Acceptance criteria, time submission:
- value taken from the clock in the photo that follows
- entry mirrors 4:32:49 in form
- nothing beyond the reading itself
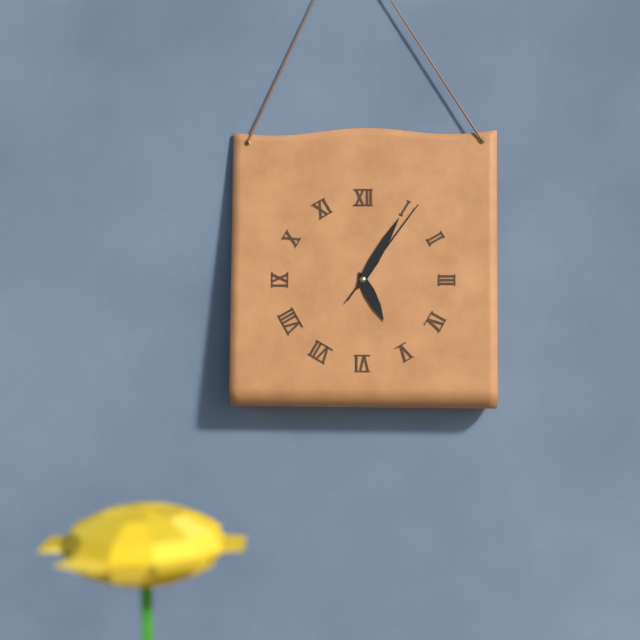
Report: 5:05:06
